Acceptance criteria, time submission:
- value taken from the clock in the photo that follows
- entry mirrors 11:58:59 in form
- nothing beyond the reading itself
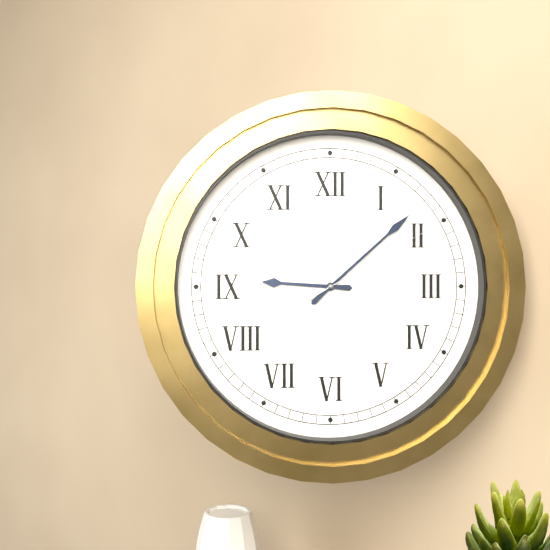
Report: 9:08:10
